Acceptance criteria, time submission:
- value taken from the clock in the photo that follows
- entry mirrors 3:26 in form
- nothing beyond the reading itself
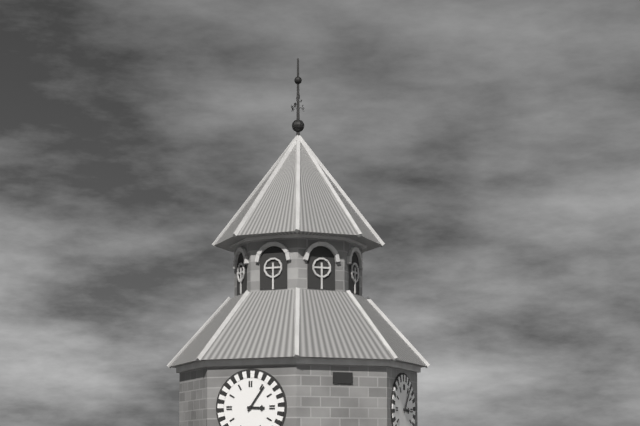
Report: 3:06
